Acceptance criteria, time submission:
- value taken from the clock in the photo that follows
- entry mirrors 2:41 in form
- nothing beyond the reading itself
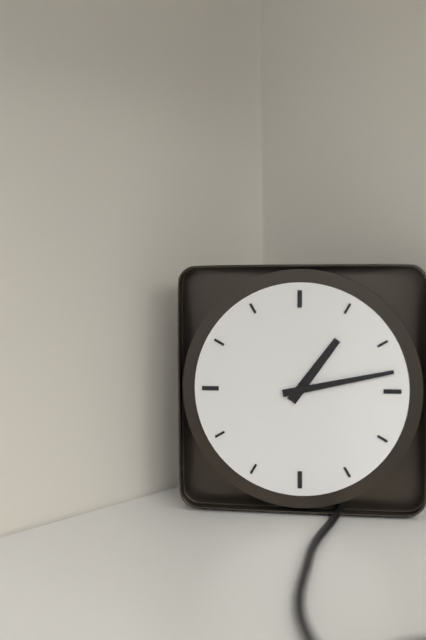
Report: 1:13
